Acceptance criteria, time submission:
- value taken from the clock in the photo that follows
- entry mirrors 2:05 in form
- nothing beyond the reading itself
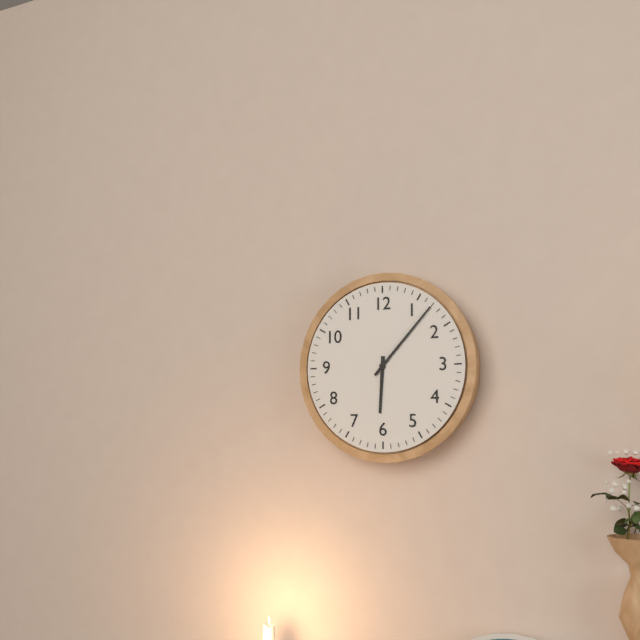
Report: 6:07
